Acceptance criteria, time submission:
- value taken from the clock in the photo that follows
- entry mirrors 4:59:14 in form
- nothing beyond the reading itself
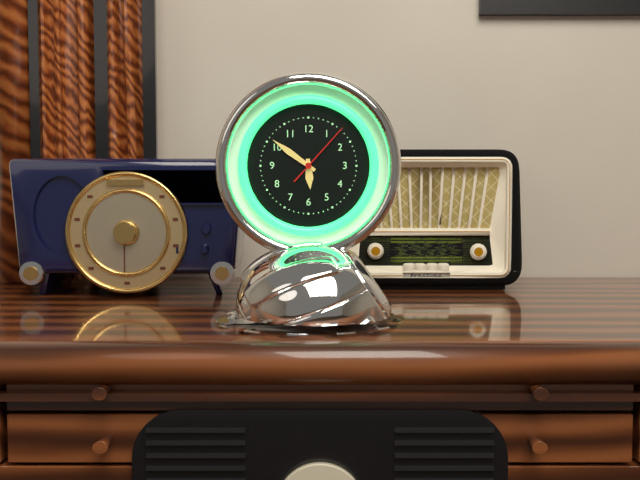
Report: 5:51:07
